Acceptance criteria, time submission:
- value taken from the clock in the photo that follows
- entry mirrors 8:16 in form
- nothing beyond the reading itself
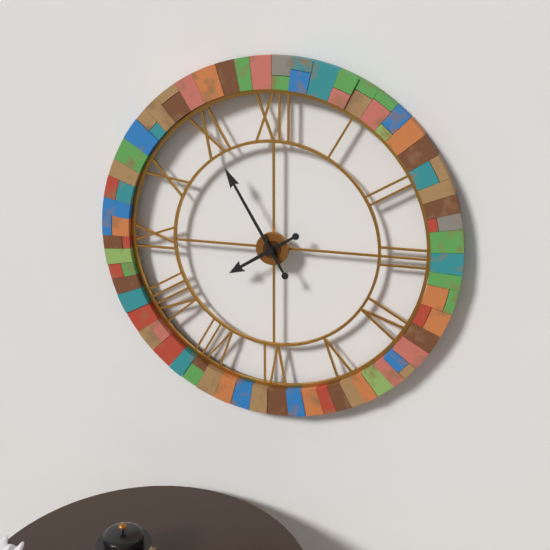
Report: 7:55
